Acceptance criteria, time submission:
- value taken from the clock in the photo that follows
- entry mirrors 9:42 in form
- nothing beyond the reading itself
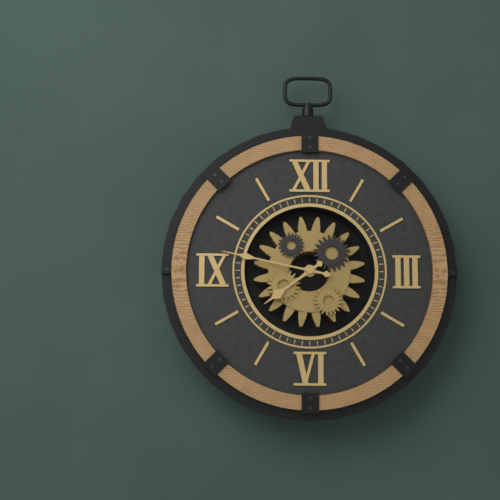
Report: 7:47
